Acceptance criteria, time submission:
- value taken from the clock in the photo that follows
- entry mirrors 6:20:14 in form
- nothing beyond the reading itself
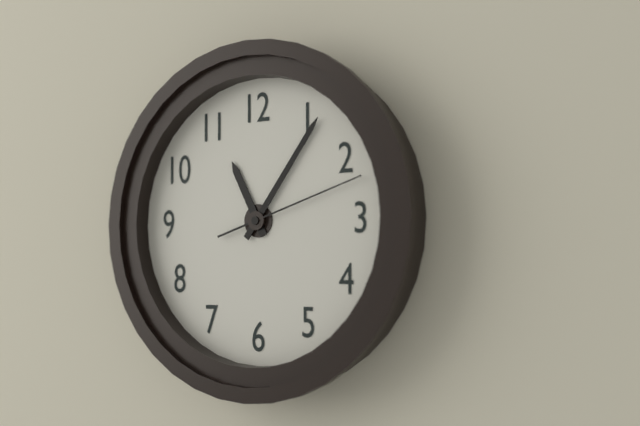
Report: 11:06:12
